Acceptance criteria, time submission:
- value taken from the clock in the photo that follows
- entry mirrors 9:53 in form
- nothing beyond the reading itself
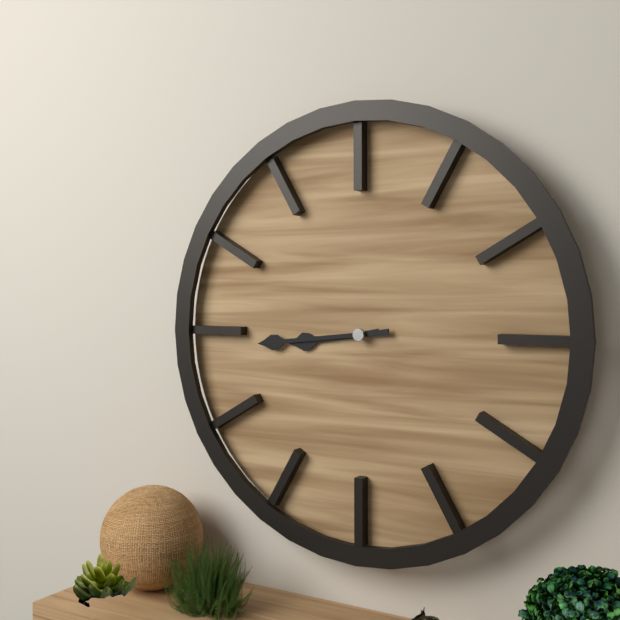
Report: 8:44
